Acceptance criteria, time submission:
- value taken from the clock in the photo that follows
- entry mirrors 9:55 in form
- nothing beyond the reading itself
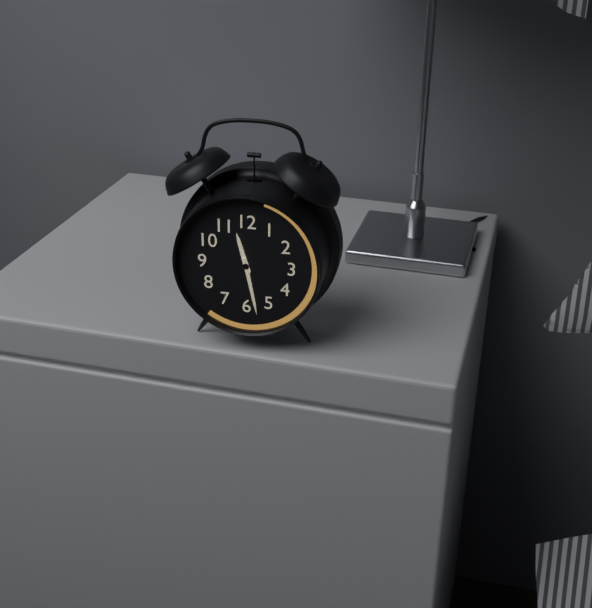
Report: 11:28
